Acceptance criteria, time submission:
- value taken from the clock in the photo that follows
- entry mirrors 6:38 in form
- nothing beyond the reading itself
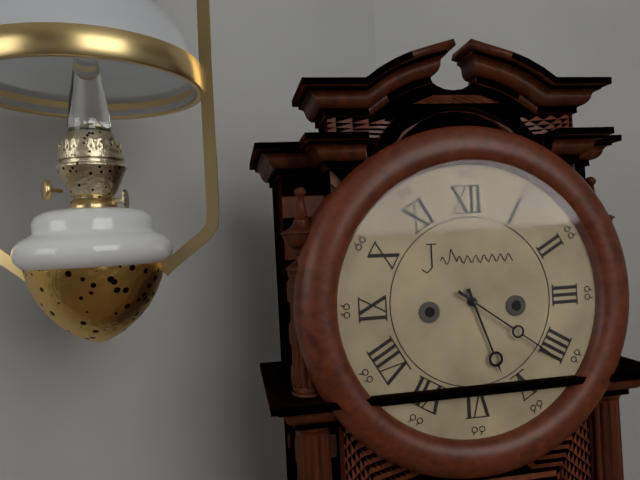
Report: 5:21
